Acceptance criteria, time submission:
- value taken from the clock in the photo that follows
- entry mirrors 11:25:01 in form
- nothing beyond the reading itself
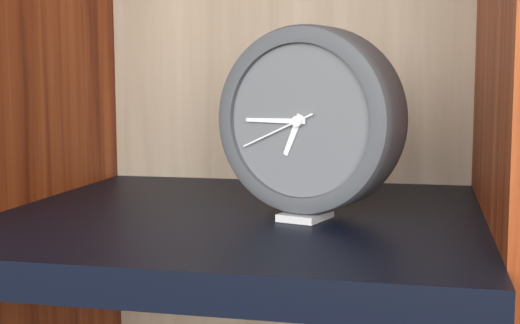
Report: 6:45:41
